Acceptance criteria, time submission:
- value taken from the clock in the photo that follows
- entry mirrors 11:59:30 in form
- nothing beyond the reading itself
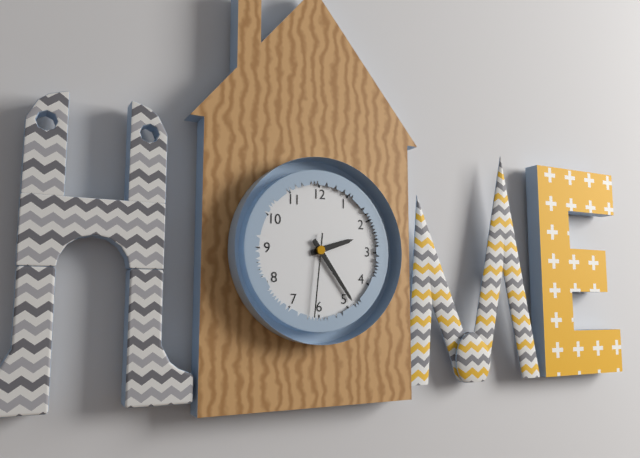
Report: 2:24:31
